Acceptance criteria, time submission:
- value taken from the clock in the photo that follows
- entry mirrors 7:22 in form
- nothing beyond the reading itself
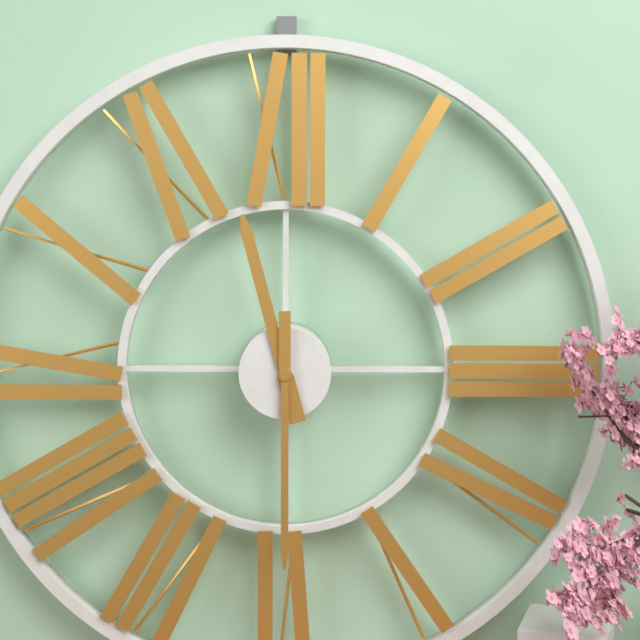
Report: 11:30
